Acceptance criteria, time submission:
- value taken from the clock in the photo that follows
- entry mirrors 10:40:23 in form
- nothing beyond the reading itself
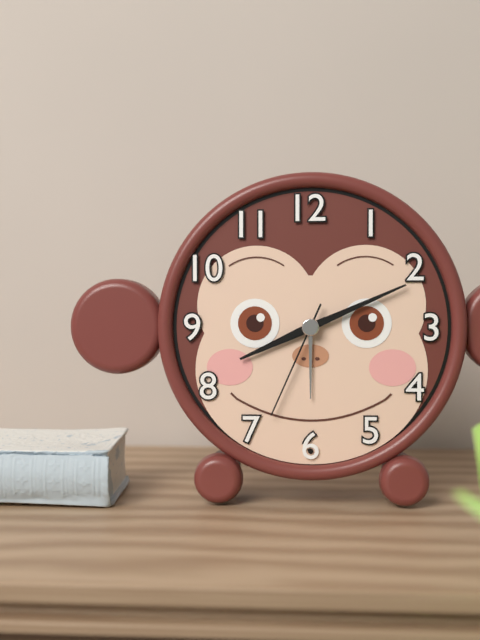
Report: 8:11:34
